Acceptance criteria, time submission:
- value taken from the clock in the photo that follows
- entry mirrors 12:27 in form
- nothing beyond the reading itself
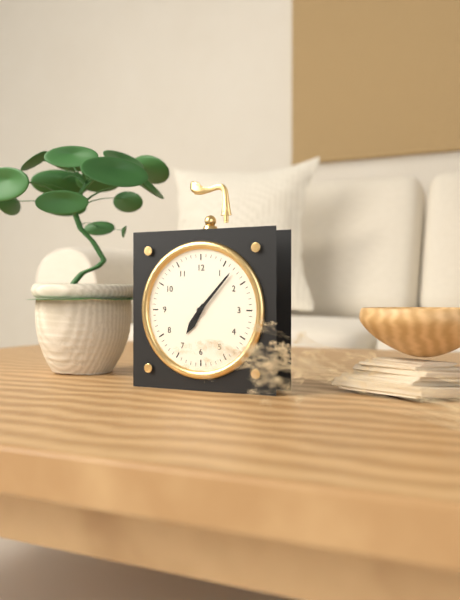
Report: 7:07
